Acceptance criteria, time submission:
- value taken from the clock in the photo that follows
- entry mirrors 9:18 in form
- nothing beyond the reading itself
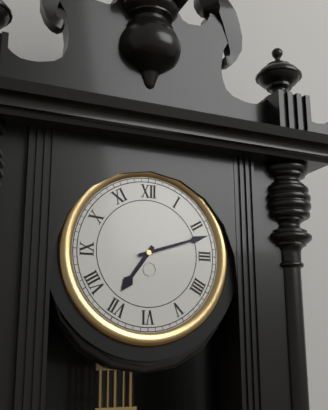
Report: 7:12
